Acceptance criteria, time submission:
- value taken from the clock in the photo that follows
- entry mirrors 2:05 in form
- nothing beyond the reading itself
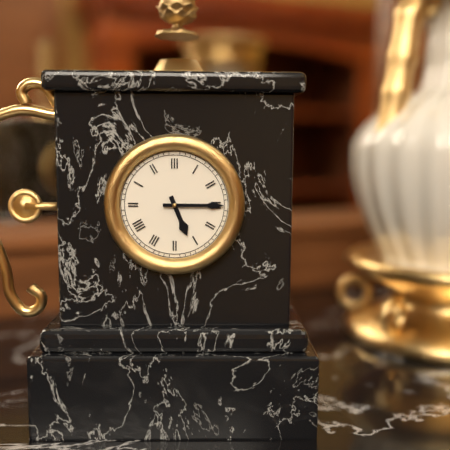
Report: 5:15
